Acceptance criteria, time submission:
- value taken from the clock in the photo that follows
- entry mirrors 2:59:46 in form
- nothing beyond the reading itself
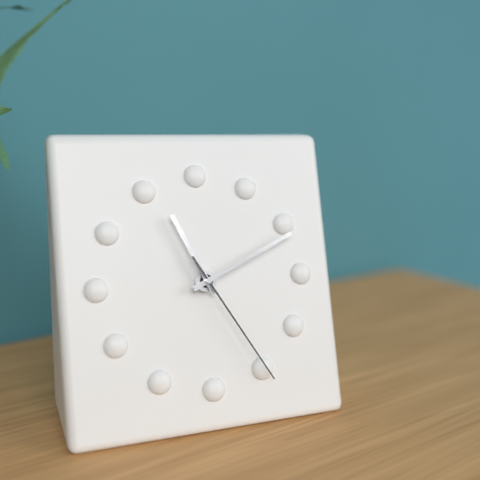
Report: 11:11:25
